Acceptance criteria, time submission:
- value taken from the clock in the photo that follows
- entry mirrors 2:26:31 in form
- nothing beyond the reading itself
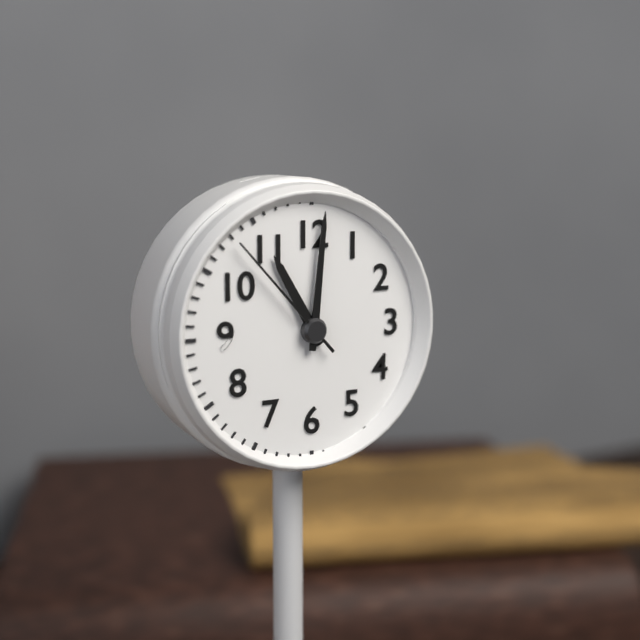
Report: 11:01:53
